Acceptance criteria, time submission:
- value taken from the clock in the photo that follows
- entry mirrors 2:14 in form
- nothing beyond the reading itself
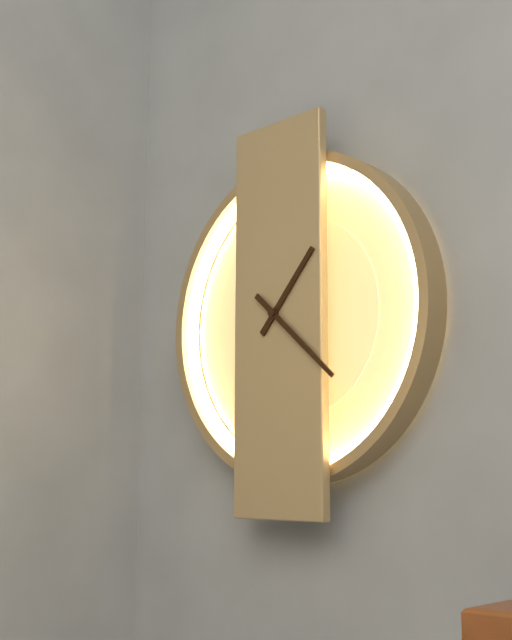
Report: 1:22
